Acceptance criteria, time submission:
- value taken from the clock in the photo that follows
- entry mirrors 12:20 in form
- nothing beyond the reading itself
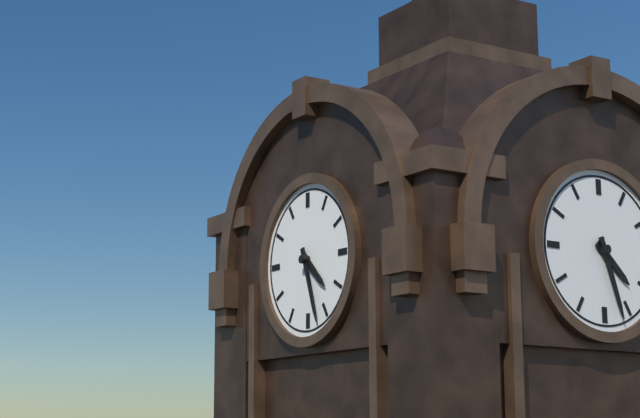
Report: 4:27
